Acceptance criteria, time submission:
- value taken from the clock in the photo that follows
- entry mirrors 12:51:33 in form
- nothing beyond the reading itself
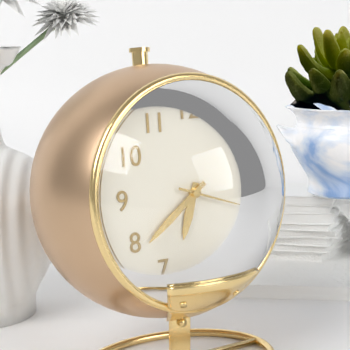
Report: 6:39:18
